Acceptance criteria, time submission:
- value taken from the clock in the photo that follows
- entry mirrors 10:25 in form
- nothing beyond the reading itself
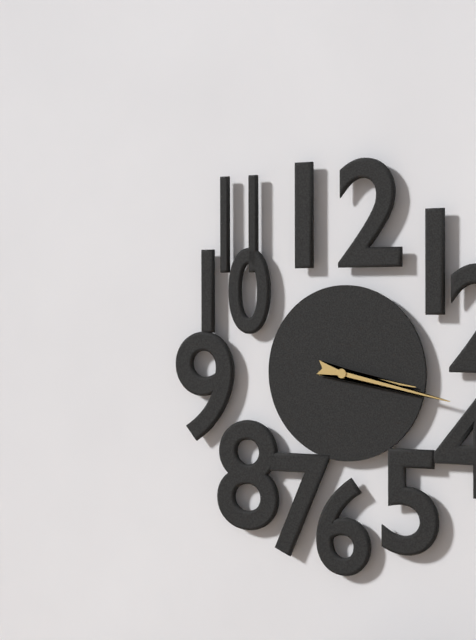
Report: 3:17
